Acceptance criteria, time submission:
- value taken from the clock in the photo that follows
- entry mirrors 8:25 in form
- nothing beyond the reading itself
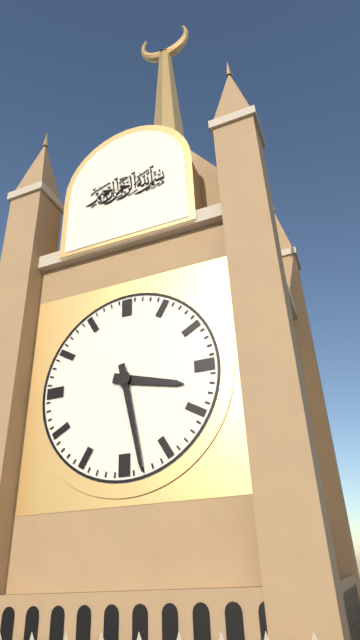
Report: 3:28
